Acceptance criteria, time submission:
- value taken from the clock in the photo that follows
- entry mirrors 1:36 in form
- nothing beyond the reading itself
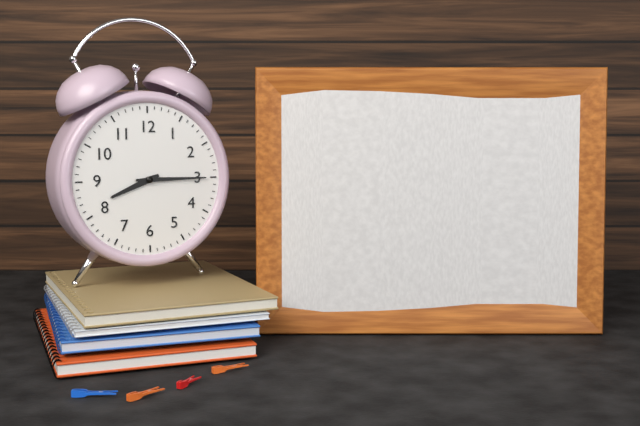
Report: 8:15
